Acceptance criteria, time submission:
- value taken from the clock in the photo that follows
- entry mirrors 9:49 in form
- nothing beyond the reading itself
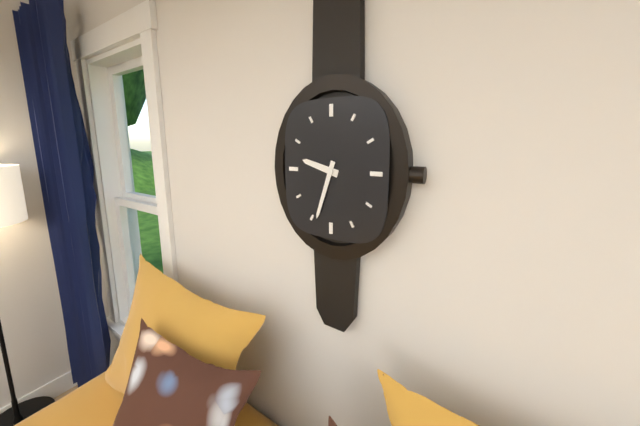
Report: 9:33
